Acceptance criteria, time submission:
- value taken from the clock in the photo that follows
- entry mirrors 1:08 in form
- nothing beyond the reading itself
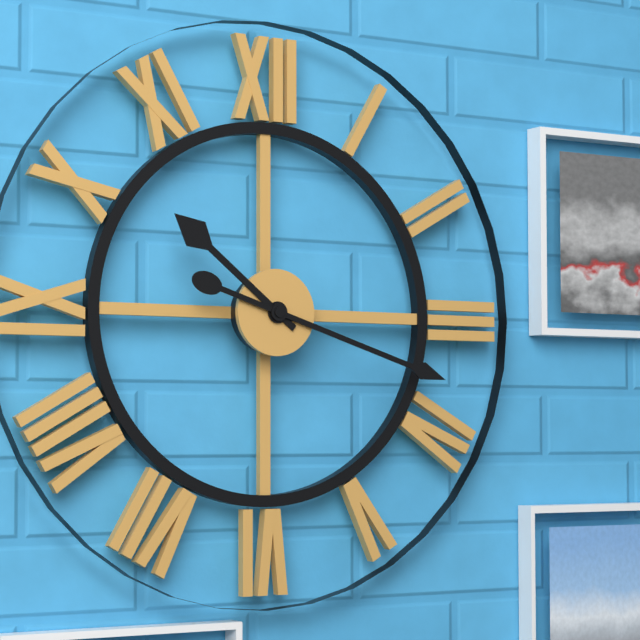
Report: 10:18
